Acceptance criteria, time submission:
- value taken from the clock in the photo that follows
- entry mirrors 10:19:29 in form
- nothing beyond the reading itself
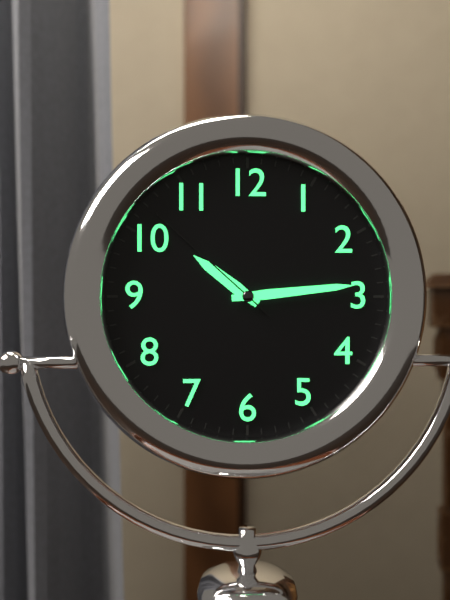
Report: 10:14:52
